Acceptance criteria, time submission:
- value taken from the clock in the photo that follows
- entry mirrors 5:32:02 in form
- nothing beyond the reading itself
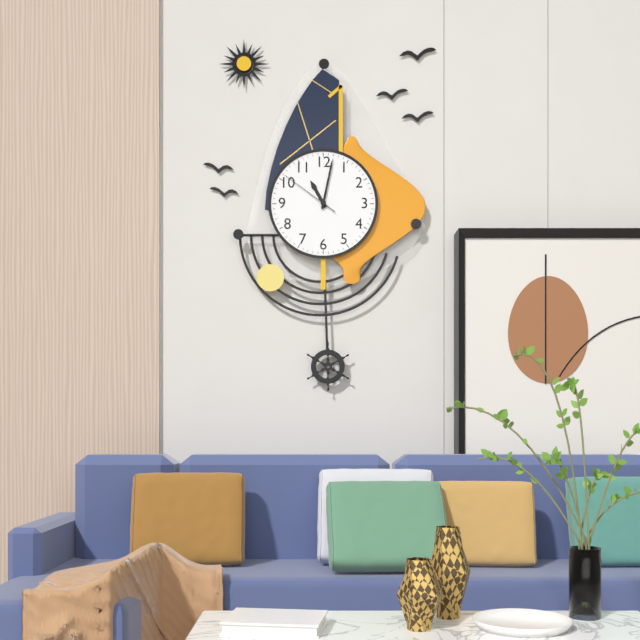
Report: 11:02:51
